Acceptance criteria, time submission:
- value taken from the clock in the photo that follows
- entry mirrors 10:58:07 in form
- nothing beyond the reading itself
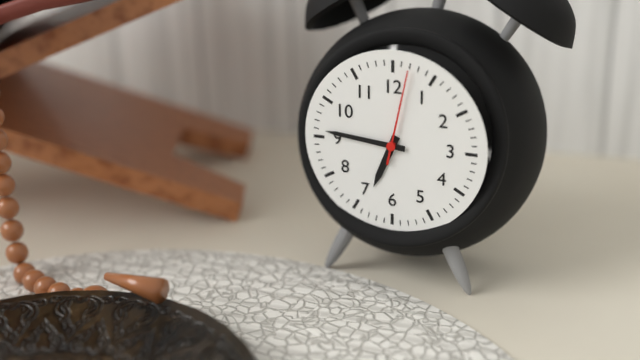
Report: 6:46:02
